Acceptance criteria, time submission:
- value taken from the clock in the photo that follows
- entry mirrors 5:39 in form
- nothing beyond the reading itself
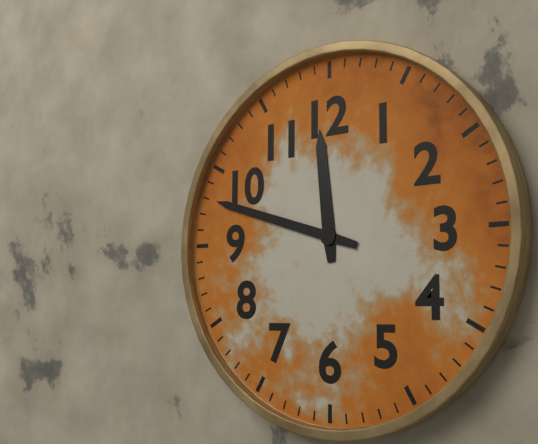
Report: 11:48
